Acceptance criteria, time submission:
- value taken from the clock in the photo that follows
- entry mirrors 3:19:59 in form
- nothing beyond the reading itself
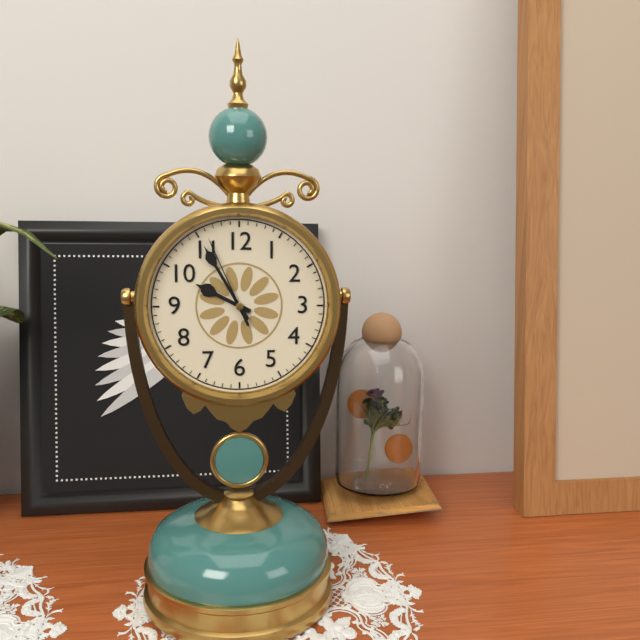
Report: 9:55:56
